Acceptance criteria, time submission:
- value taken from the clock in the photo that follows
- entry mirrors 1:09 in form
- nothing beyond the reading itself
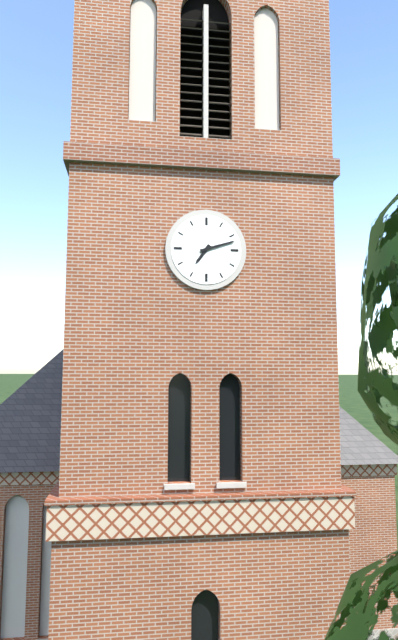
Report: 7:12
